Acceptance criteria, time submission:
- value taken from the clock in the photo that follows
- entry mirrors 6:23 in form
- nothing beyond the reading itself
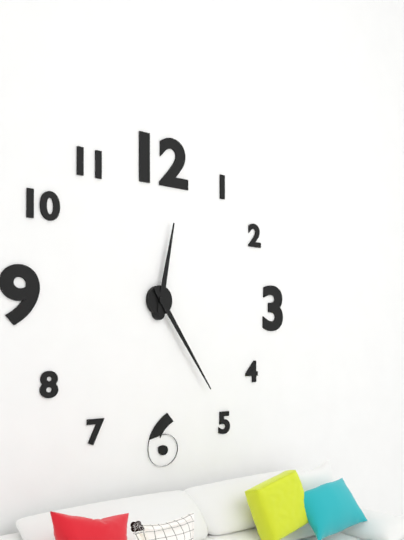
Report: 12:24
